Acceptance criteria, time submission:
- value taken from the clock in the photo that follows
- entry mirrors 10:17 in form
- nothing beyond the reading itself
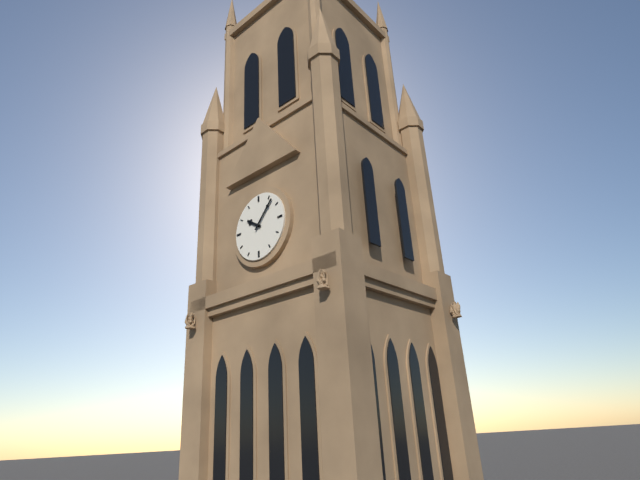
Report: 10:07
